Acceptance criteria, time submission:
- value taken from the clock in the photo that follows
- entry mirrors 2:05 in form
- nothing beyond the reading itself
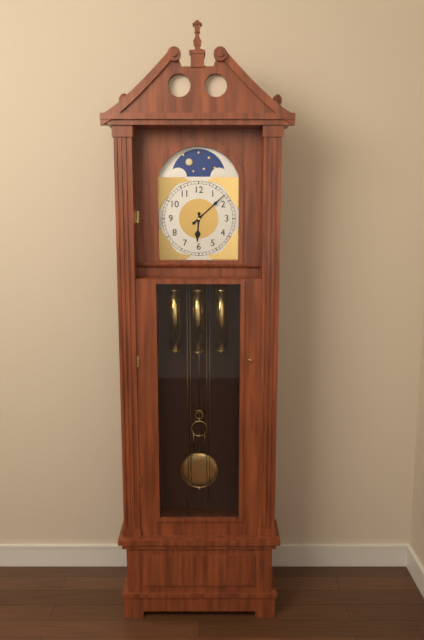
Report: 6:08
